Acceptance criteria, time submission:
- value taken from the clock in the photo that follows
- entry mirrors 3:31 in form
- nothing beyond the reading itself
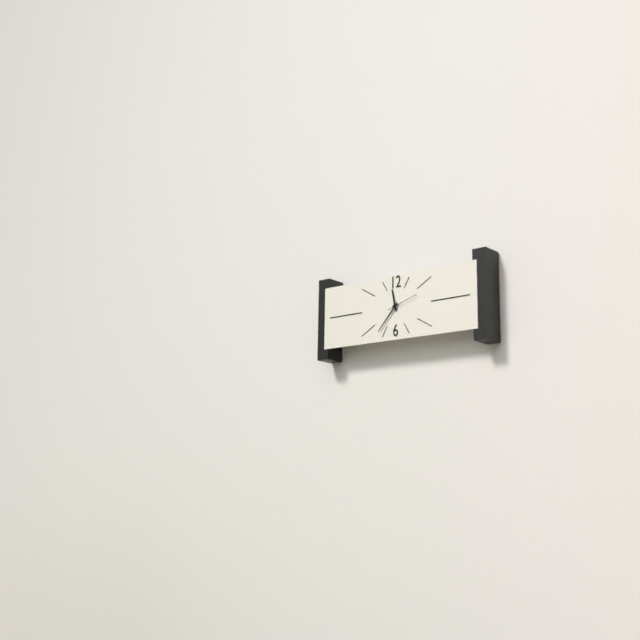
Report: 11:37
